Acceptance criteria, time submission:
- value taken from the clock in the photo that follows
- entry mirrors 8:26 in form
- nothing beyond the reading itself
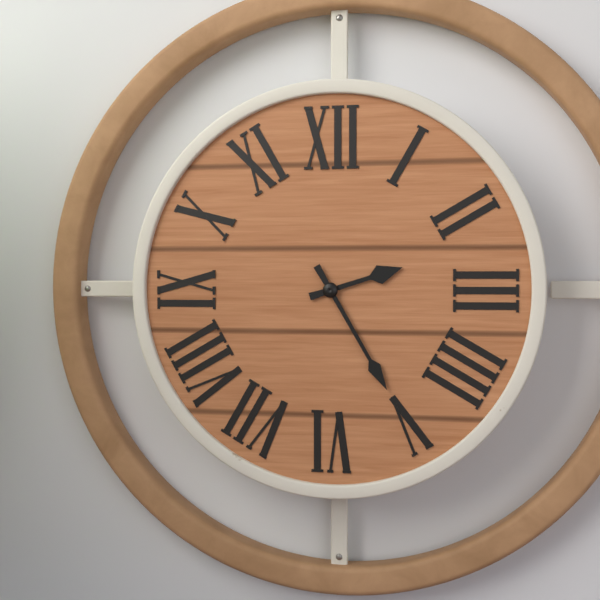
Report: 2:25
